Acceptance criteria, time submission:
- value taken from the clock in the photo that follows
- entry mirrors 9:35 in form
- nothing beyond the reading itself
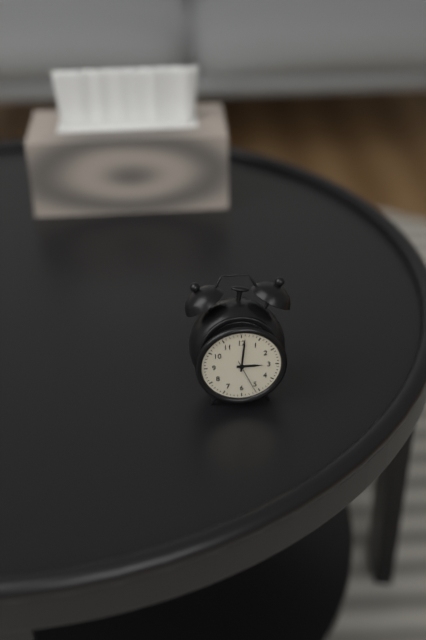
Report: 3:01
